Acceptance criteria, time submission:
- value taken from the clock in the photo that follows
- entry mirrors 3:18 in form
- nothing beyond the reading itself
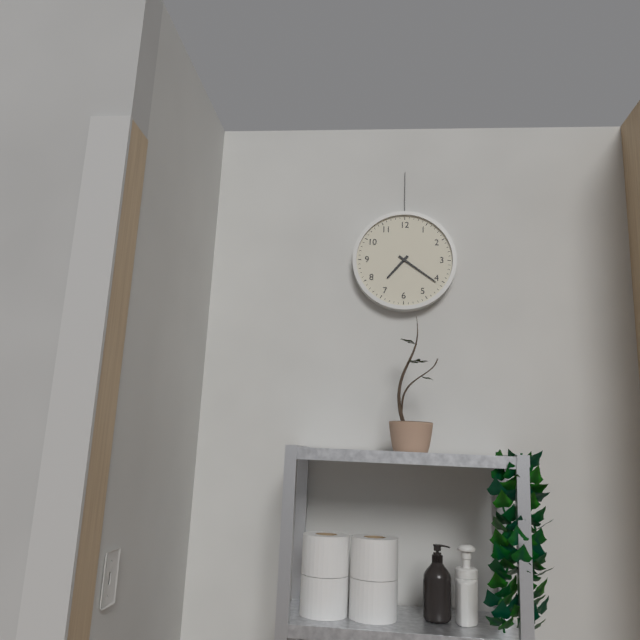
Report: 7:21
